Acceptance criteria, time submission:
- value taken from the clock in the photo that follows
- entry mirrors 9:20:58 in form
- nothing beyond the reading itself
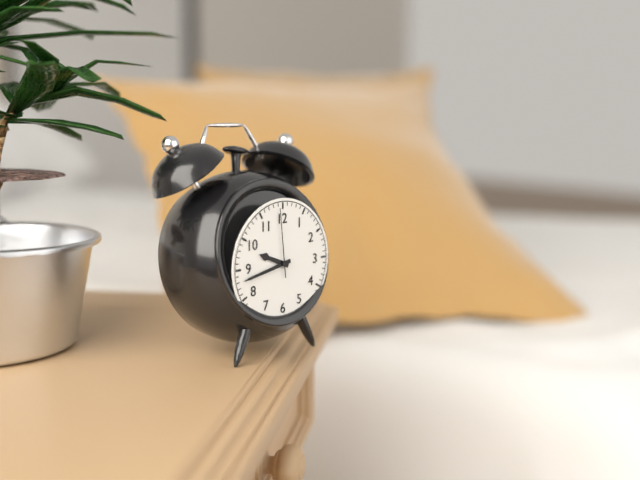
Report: 9:43:59
